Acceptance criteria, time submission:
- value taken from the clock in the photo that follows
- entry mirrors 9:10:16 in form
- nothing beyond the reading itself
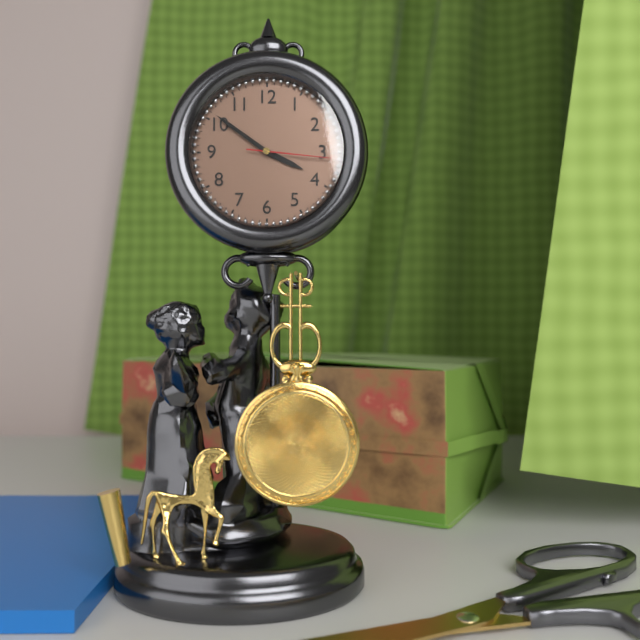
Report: 3:51:16
